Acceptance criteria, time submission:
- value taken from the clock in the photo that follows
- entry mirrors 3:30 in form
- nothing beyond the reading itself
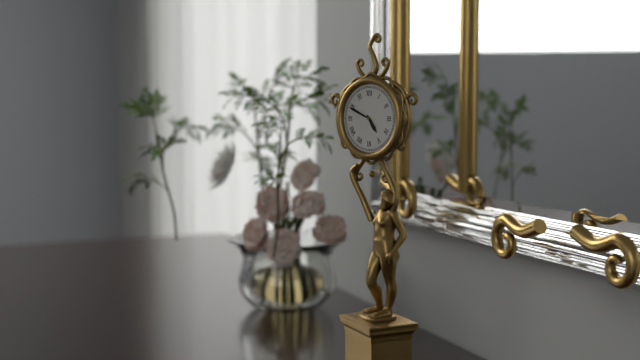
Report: 4:49
